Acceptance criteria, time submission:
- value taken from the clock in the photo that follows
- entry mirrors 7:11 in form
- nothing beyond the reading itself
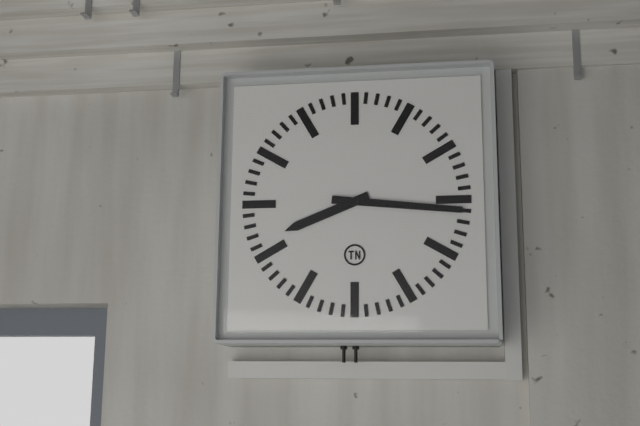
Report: 8:16
